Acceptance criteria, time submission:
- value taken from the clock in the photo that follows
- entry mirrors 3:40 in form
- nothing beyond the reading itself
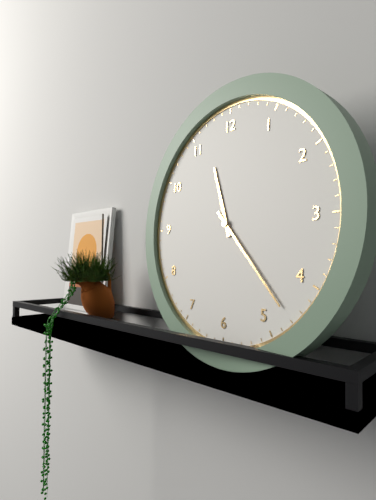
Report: 11:23
